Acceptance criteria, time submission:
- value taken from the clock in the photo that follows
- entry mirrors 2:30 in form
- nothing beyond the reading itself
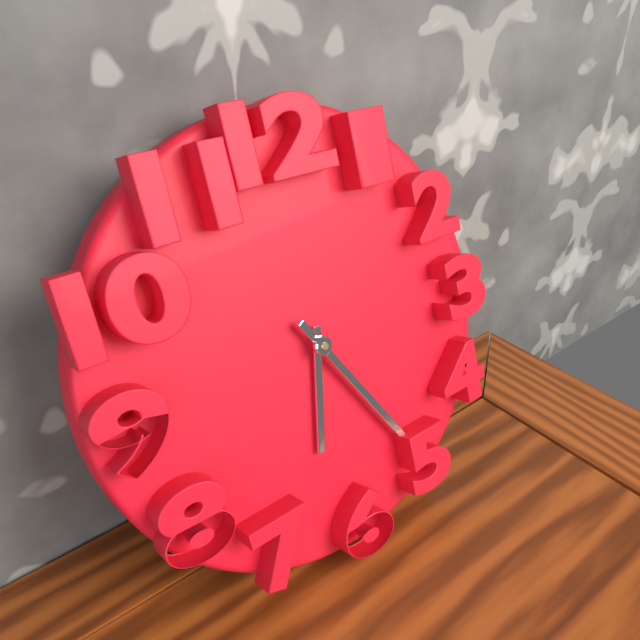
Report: 6:25
